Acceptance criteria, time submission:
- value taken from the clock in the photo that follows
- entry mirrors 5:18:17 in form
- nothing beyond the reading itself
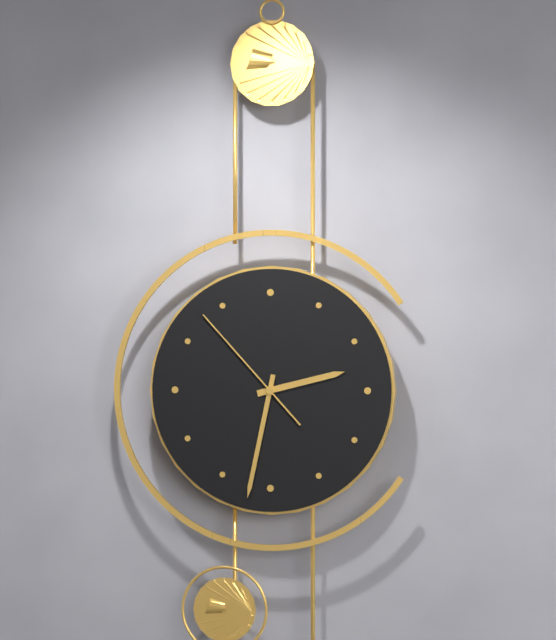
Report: 2:32:53
